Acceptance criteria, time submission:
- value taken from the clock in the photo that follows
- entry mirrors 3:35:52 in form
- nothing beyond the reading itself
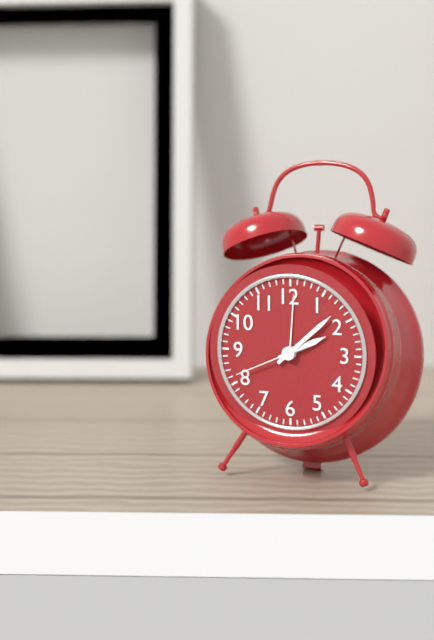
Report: 2:08:41
